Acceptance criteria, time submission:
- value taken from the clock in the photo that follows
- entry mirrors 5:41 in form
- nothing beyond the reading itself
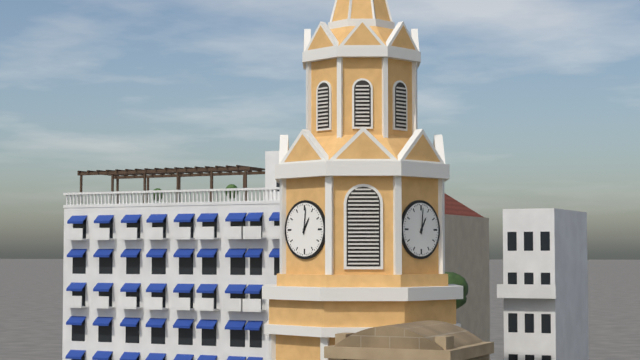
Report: 1:01
